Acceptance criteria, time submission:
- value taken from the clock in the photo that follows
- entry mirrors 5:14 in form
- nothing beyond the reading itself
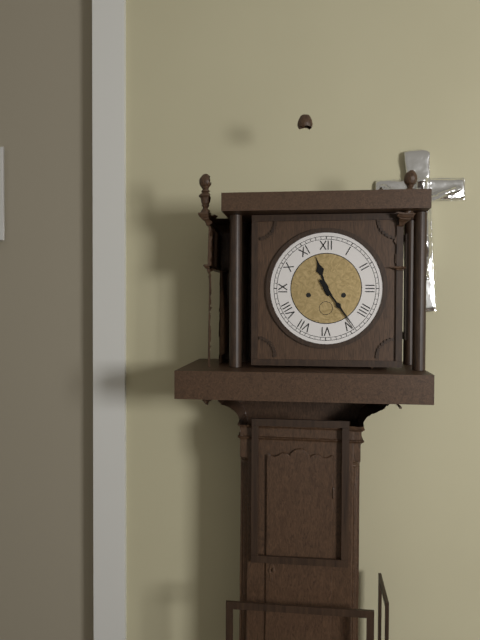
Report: 11:24
